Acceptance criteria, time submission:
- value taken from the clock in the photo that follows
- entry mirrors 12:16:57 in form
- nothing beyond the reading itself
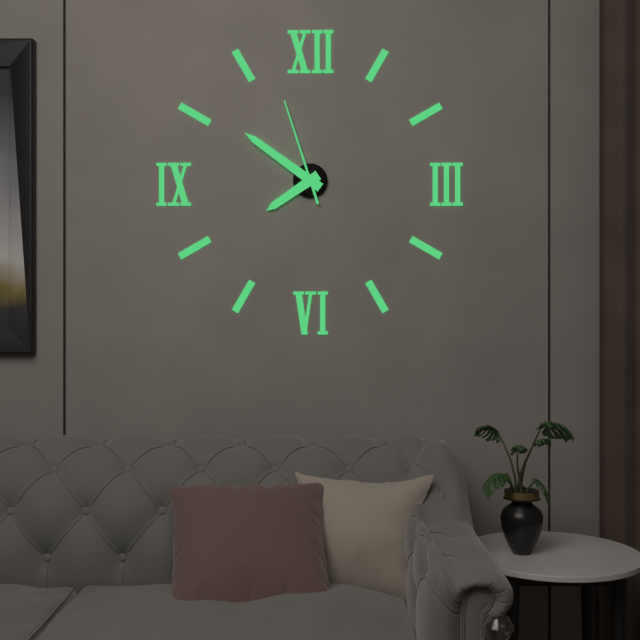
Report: 7:51:57
